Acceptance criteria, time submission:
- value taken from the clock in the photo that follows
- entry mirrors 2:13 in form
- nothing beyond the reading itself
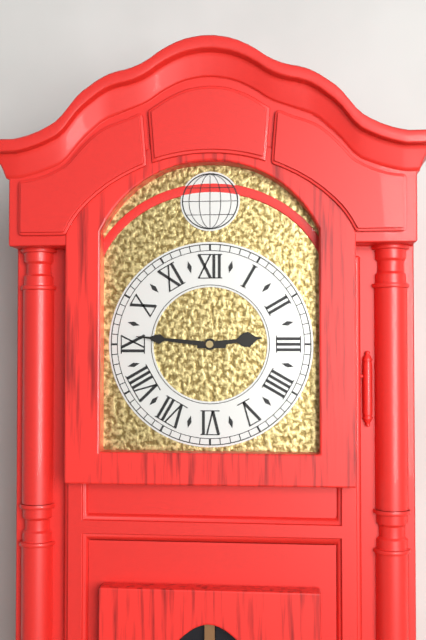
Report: 2:46
